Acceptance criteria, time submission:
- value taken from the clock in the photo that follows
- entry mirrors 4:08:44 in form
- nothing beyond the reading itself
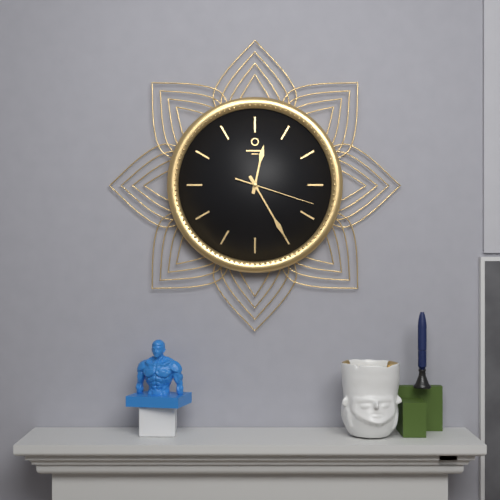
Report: 12:25:18
